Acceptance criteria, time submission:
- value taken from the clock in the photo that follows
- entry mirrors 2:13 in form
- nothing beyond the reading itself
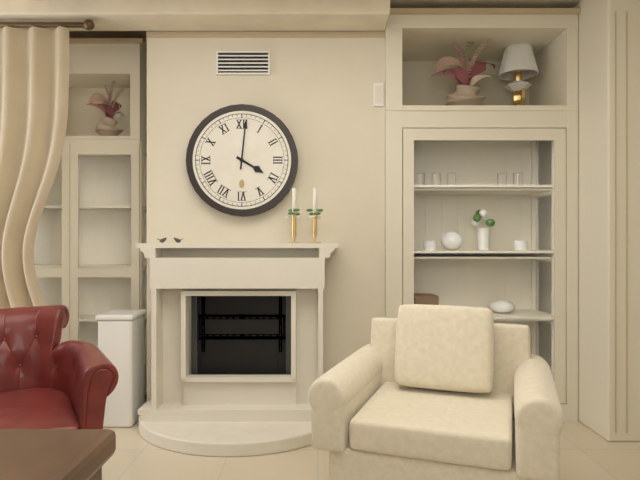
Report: 4:01
